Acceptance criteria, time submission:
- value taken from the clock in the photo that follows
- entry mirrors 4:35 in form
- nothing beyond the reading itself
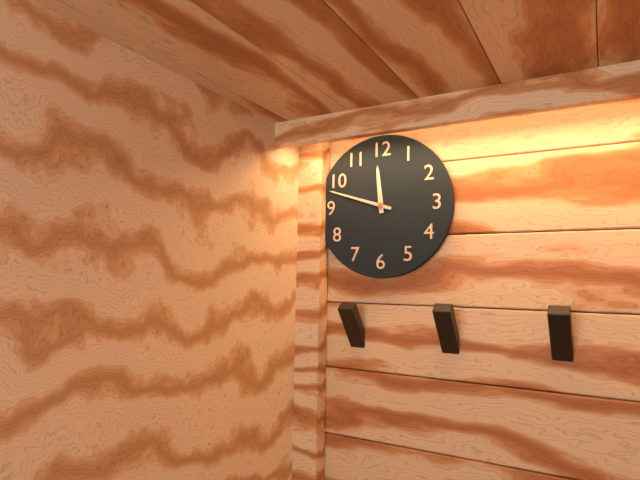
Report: 11:48
